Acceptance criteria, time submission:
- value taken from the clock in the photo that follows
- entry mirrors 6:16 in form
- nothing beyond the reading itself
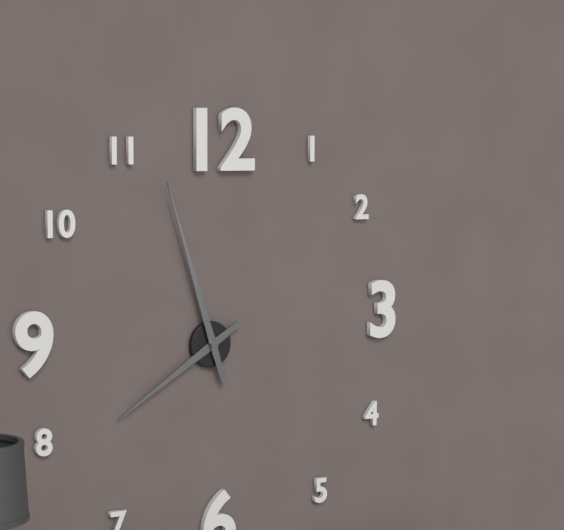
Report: 7:57
